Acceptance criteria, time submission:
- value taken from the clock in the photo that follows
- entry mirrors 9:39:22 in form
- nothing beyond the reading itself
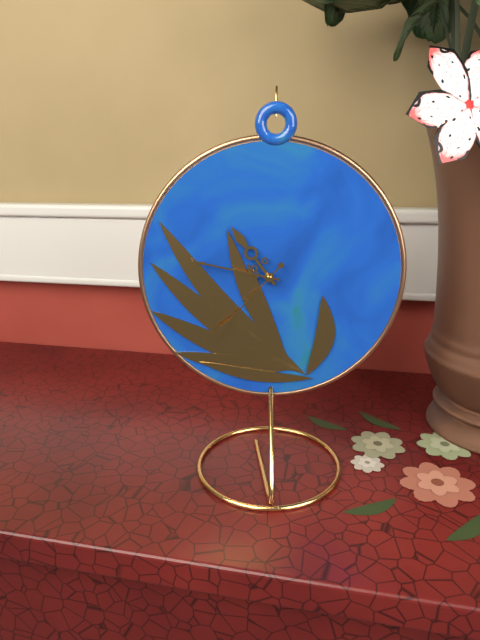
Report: 10:47:37
